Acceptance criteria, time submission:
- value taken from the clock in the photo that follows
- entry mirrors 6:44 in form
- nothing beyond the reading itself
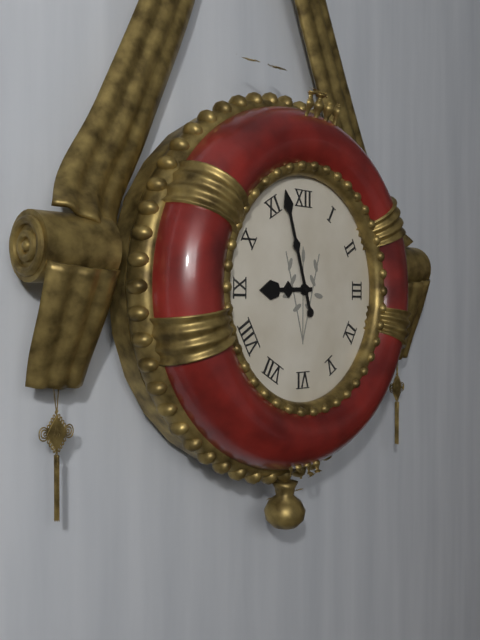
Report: 8:57
